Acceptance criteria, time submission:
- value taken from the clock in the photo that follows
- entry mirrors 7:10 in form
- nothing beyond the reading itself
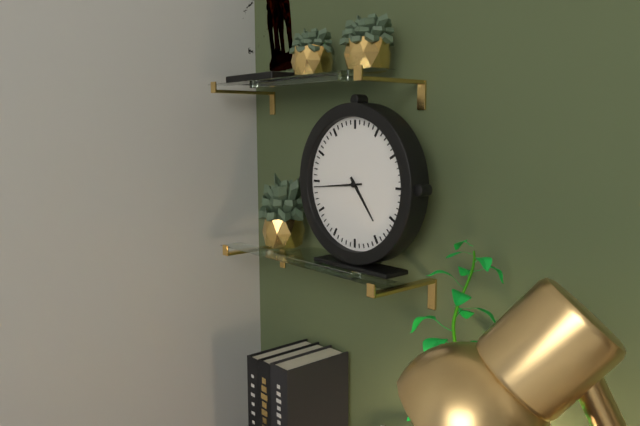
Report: 4:44
